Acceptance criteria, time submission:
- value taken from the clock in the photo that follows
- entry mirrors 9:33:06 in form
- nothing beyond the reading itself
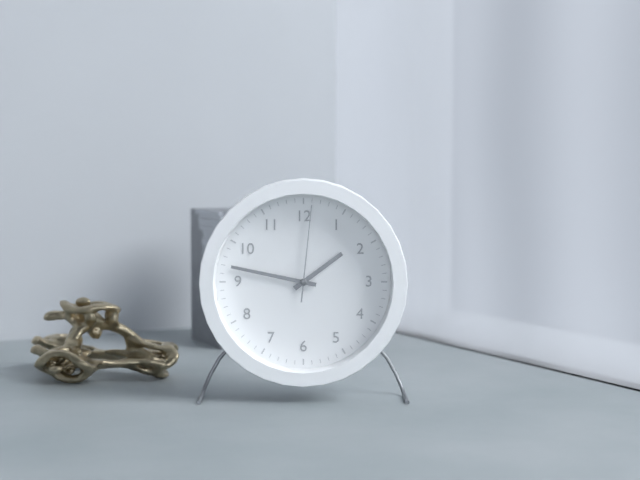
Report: 1:47:01
